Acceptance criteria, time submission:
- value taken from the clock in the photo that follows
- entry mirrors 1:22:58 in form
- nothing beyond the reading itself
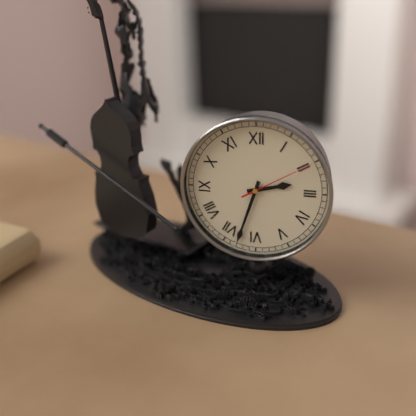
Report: 2:33:10
